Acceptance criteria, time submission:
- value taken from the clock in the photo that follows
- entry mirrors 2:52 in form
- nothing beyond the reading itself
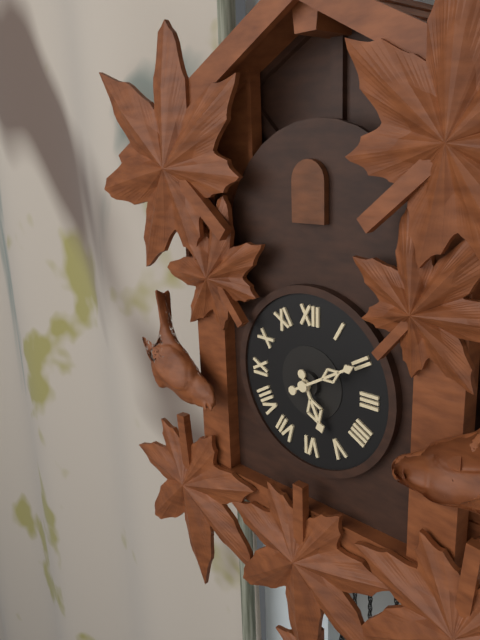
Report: 5:10
